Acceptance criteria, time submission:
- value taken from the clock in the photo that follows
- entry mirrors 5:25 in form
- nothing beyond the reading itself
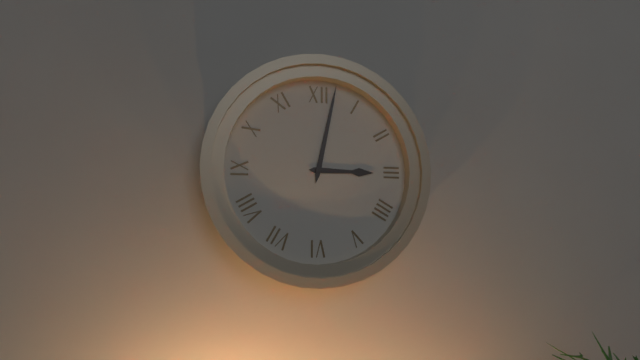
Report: 3:02
